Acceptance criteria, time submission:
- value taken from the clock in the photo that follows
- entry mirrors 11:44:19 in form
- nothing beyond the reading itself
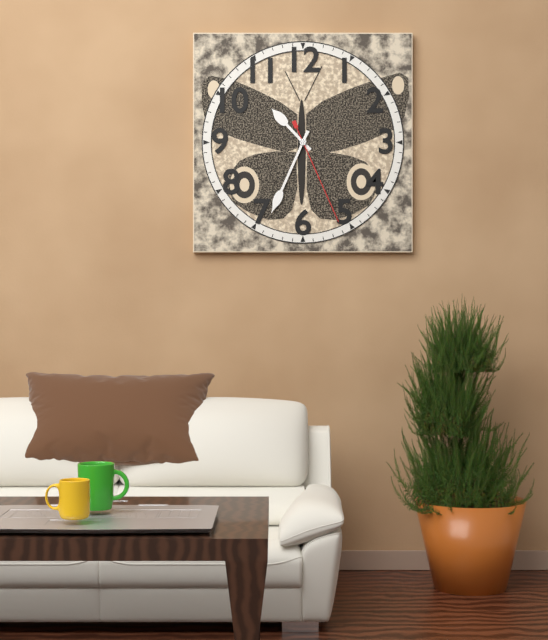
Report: 10:34:26
